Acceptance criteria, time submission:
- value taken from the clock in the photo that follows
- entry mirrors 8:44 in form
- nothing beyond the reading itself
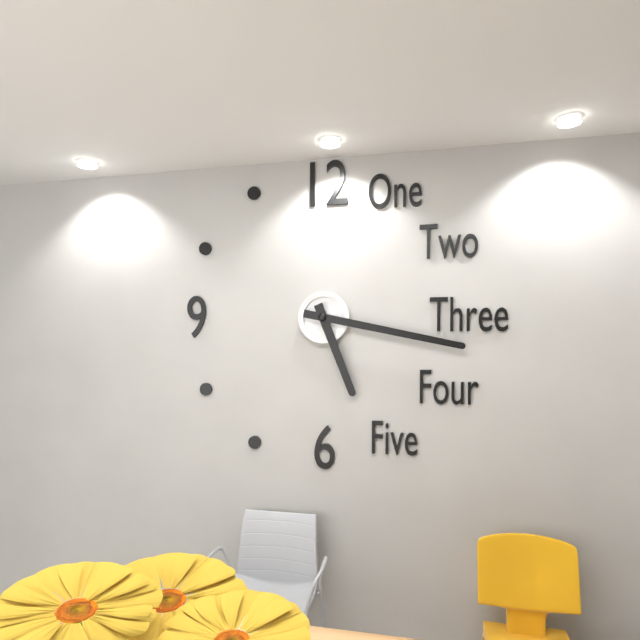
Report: 5:17
